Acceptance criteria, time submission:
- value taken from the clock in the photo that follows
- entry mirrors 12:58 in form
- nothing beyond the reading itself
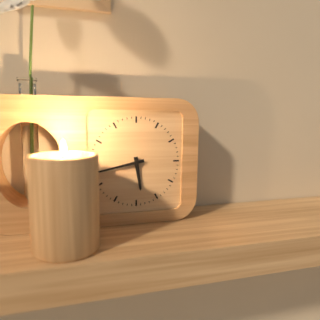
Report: 5:43
